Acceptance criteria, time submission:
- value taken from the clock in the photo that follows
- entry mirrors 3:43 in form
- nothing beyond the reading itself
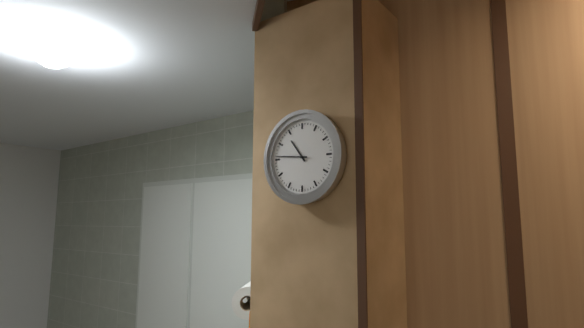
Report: 10:46
